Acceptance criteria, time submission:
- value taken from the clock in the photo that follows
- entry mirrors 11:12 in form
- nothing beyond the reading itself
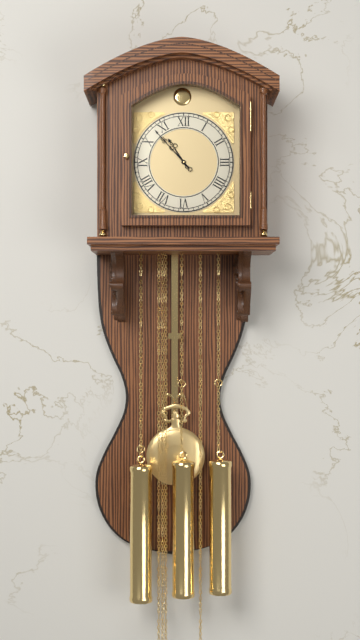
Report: 10:53
